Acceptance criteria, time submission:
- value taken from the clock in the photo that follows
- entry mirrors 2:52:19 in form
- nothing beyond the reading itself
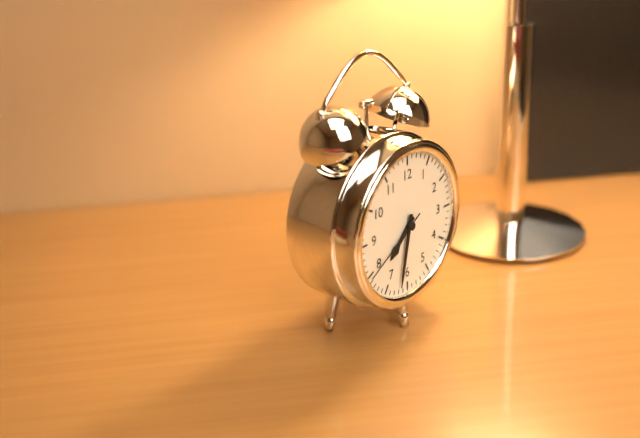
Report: 7:32:40
